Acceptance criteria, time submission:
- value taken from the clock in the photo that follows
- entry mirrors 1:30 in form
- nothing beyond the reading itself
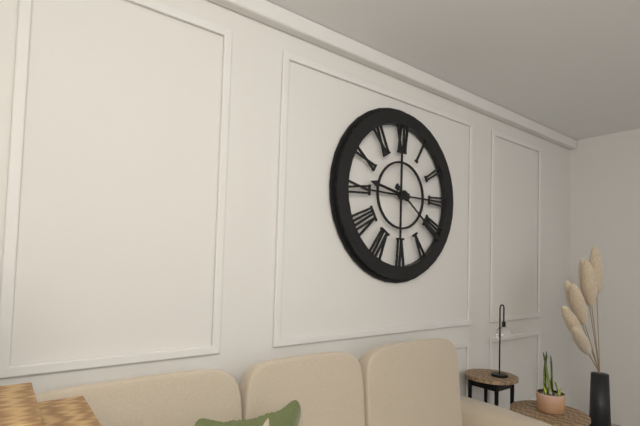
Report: 9:21
